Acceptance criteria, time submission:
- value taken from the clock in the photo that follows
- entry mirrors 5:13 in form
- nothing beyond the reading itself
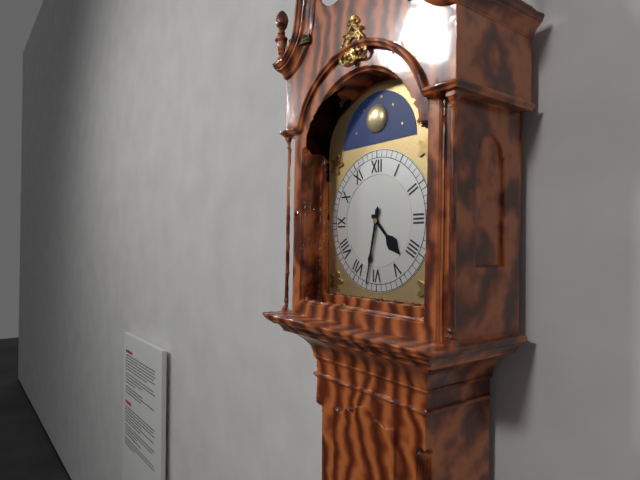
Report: 4:32
